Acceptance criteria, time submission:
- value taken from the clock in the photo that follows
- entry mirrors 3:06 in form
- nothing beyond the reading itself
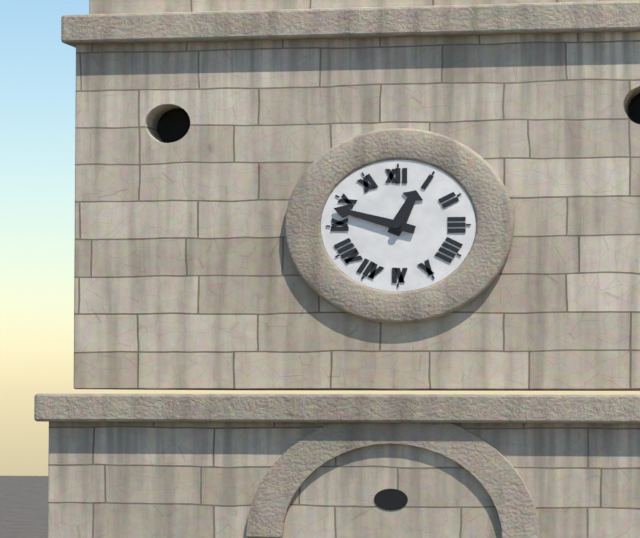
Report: 12:48
